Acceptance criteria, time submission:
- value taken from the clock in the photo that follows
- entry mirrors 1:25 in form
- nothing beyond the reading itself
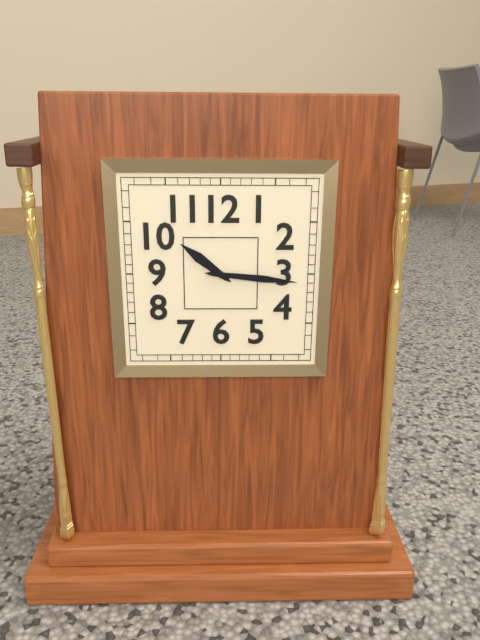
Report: 10:16
